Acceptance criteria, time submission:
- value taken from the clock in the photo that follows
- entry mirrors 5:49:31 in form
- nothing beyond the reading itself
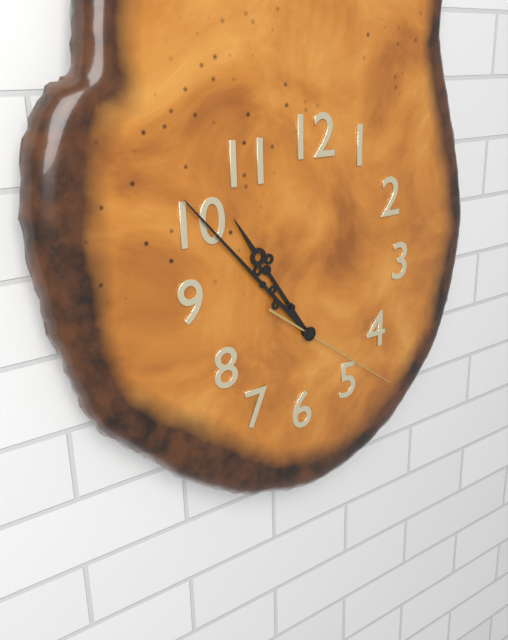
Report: 10:53:21
